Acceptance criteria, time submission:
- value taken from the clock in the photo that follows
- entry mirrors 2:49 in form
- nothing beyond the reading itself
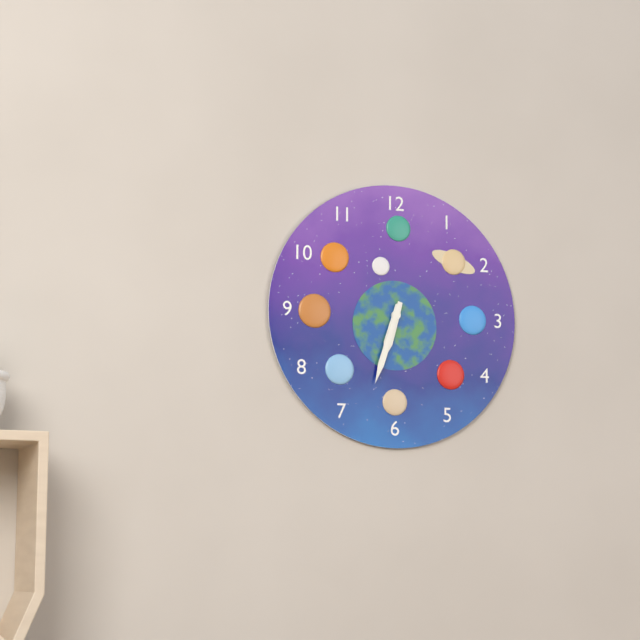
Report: 6:33
